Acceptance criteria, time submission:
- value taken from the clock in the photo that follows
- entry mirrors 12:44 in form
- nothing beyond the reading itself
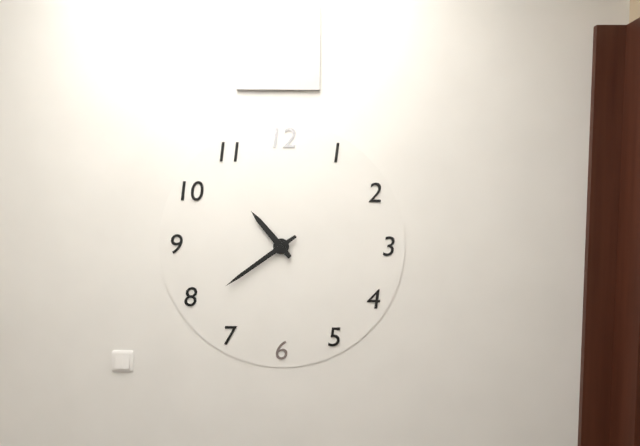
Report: 10:39
